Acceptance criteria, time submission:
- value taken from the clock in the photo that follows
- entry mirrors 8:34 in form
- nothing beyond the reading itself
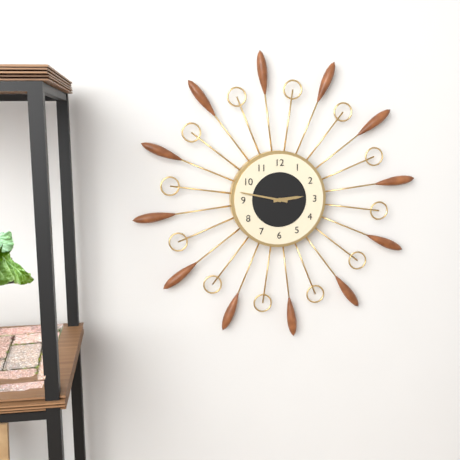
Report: 2:47
